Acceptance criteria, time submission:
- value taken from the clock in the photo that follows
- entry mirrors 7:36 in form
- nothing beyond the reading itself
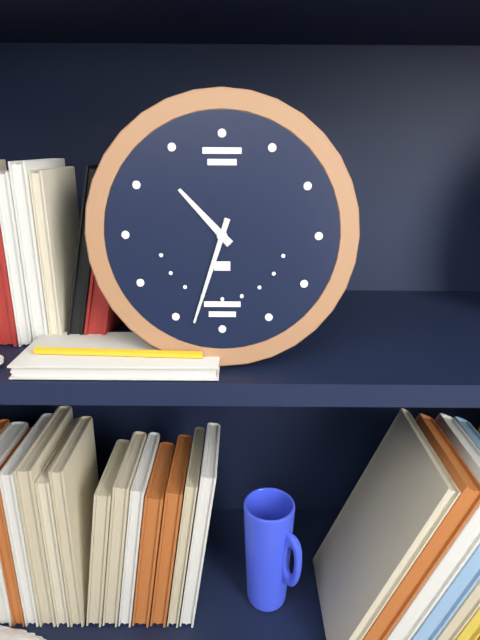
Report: 10:33
